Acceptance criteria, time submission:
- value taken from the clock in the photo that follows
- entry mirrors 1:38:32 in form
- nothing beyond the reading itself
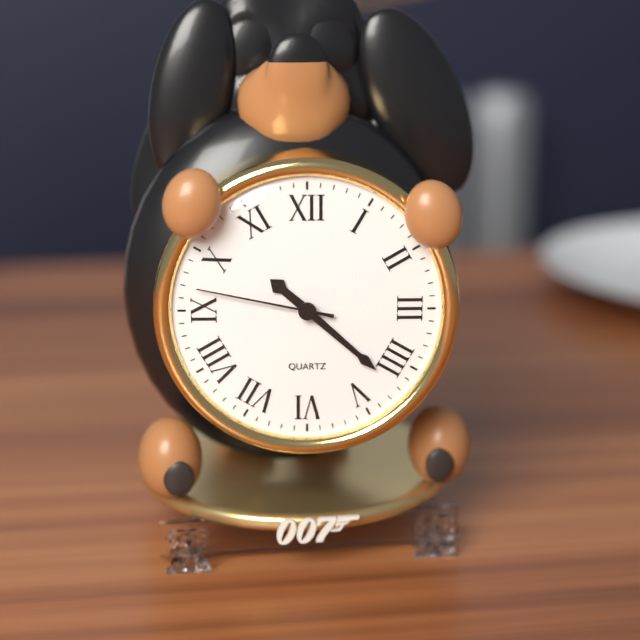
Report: 10:22:47
